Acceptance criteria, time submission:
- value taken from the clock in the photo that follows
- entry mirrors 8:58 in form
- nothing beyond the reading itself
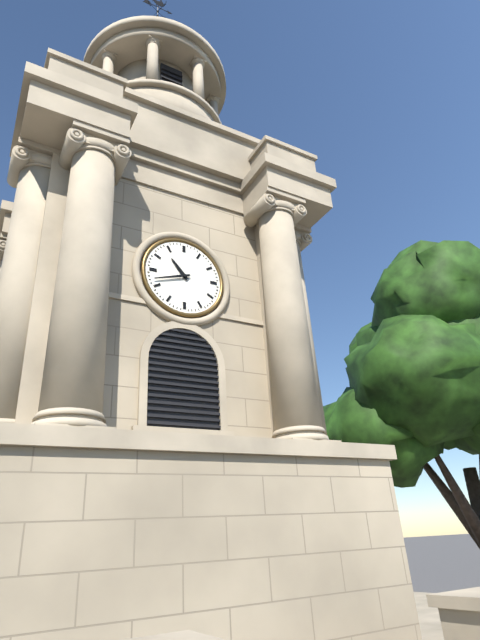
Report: 10:42
